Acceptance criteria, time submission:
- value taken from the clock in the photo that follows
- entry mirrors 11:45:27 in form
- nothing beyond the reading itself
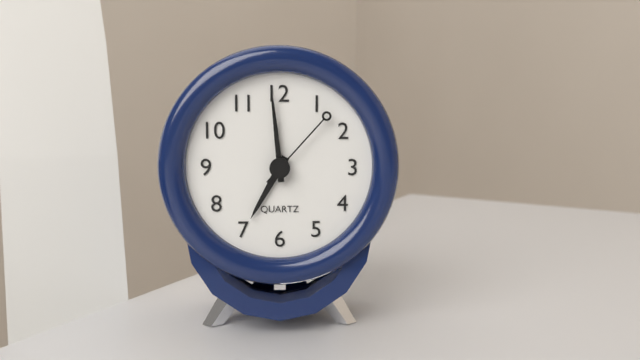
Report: 6:59:07
